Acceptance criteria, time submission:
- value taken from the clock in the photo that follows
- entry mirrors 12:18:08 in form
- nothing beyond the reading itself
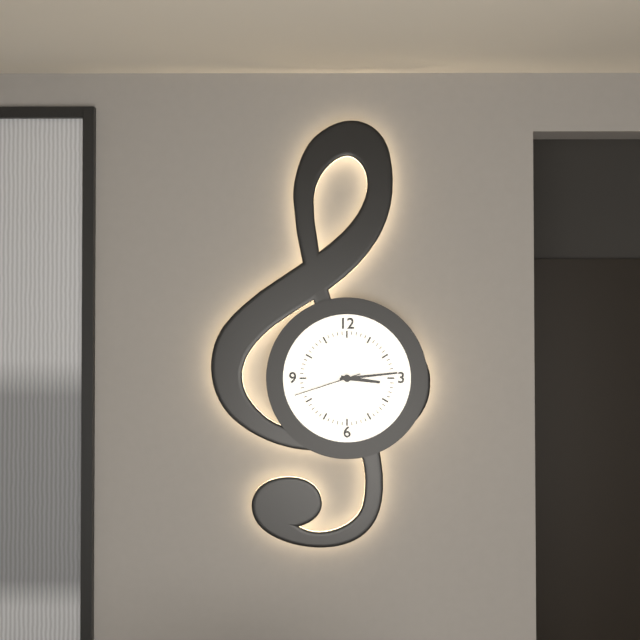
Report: 3:14:42
